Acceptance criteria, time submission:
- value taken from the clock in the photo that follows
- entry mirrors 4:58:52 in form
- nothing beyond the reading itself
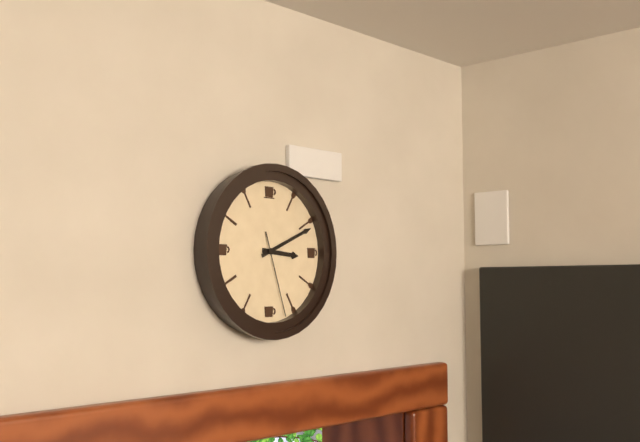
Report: 3:11:27
